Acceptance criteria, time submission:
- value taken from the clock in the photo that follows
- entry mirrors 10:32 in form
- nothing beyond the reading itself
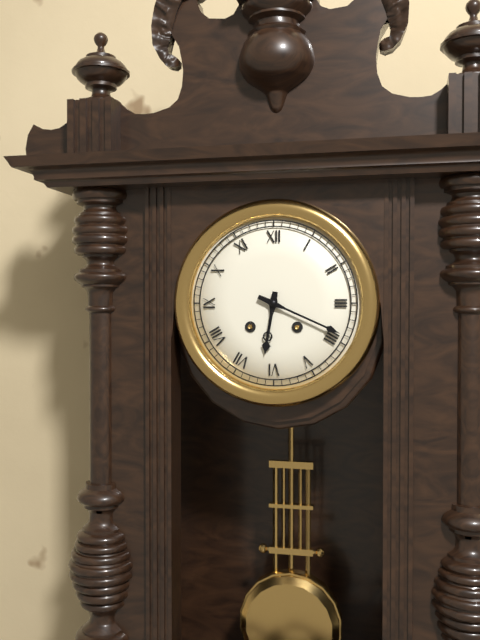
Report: 6:19
